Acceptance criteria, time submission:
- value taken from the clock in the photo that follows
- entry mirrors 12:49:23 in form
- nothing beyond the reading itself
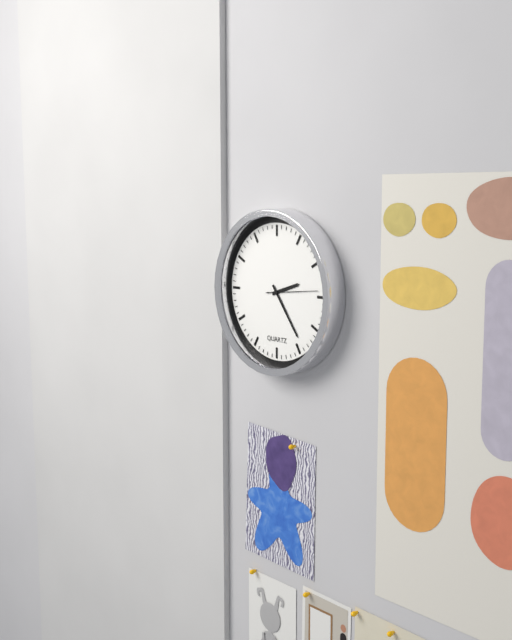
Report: 2:24:14
